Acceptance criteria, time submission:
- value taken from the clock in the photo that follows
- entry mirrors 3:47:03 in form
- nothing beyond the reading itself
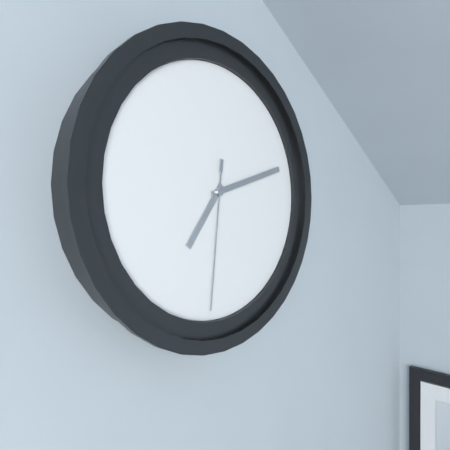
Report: 7:12:31
